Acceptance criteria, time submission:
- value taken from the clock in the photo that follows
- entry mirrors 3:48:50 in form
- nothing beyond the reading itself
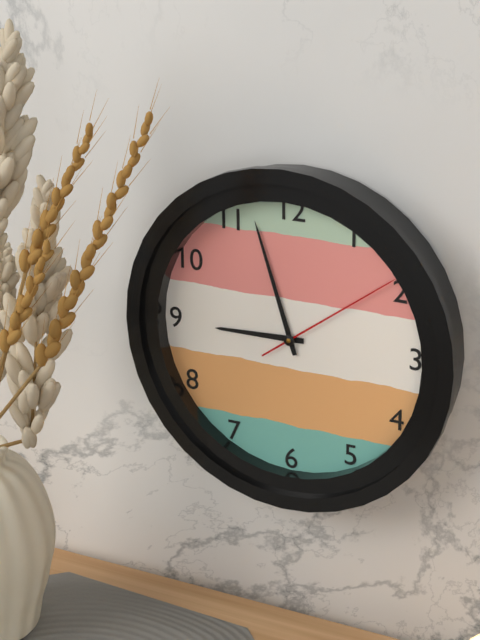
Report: 8:57:09
